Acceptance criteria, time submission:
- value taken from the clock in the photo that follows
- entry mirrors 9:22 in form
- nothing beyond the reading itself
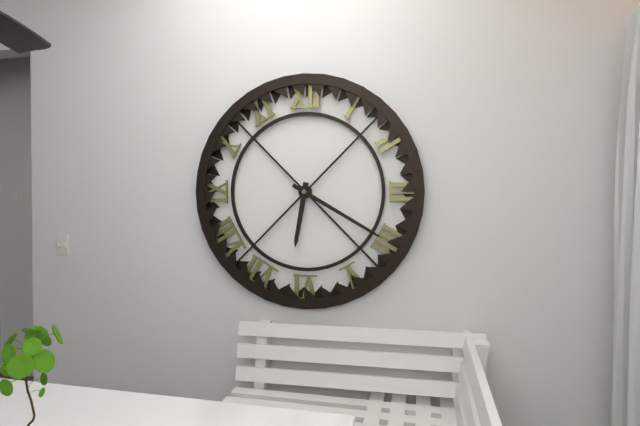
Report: 6:20
